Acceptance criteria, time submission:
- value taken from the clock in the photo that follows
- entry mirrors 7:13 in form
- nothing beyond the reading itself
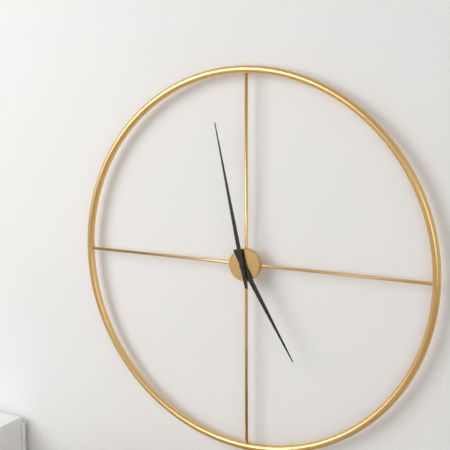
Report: 4:58
